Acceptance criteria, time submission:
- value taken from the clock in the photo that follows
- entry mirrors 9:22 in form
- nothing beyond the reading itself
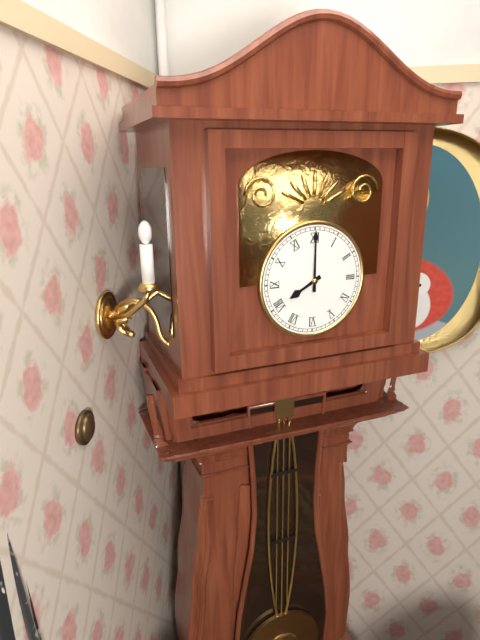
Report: 8:00
